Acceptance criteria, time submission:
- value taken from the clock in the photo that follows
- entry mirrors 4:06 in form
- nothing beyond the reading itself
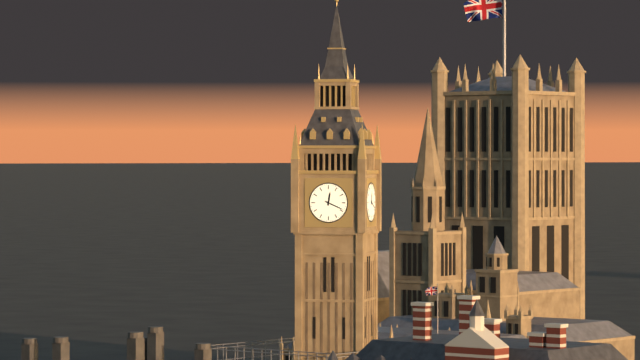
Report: 12:19
